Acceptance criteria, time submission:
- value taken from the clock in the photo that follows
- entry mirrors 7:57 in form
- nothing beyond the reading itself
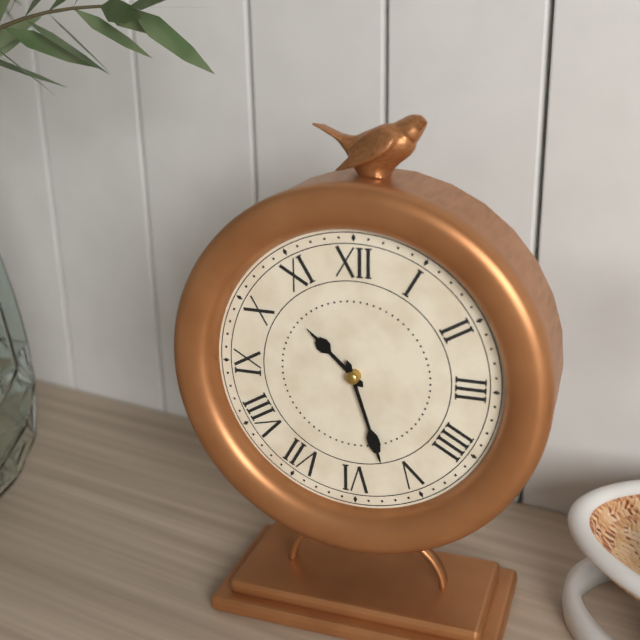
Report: 10:27
